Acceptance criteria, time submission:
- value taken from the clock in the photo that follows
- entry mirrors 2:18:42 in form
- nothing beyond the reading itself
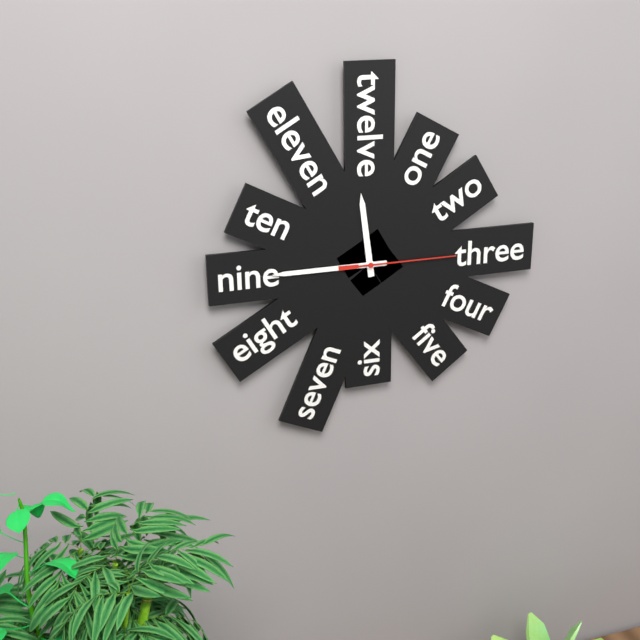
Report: 11:45:15
